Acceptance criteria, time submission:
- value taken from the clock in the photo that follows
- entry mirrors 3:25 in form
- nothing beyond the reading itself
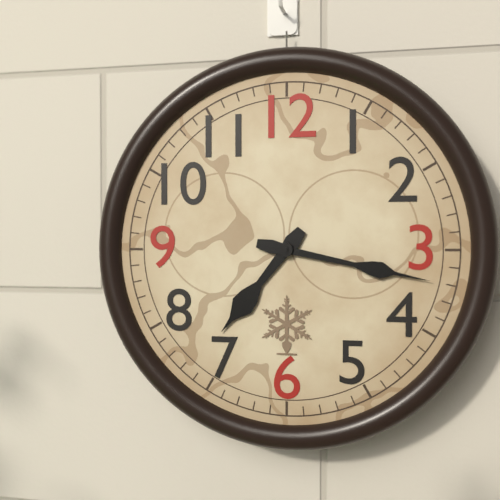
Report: 7:17
